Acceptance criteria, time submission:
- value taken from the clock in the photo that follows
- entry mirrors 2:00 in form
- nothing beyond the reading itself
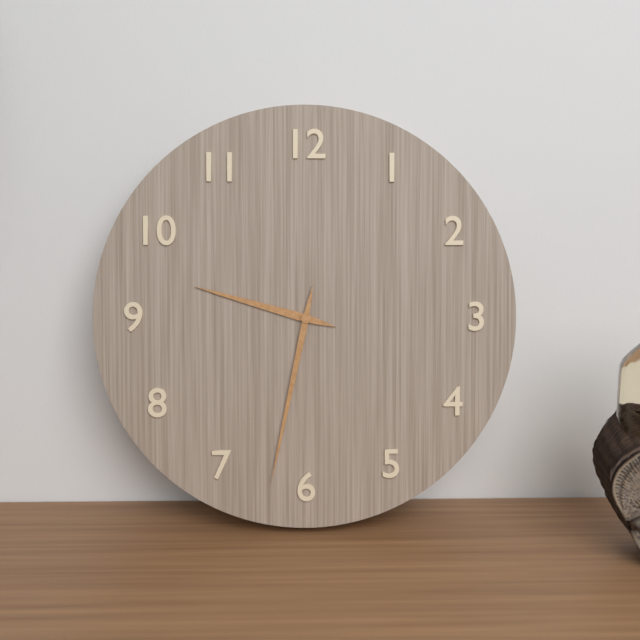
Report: 9:32
